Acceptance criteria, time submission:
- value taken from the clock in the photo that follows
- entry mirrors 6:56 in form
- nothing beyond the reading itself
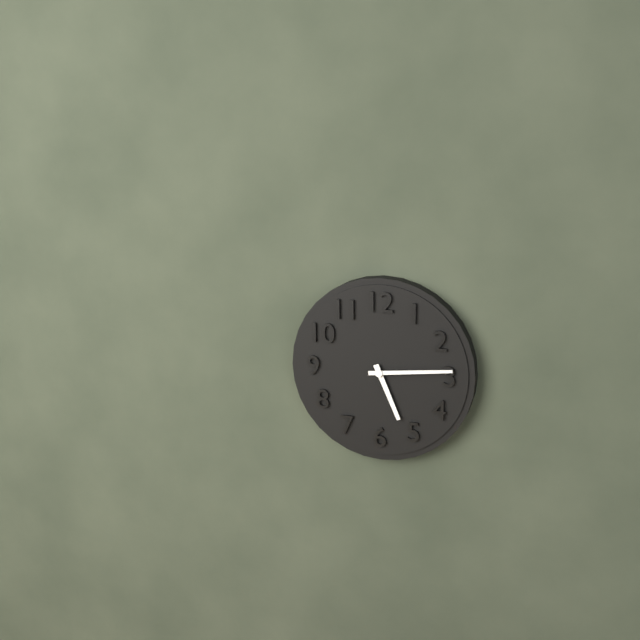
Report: 5:14
